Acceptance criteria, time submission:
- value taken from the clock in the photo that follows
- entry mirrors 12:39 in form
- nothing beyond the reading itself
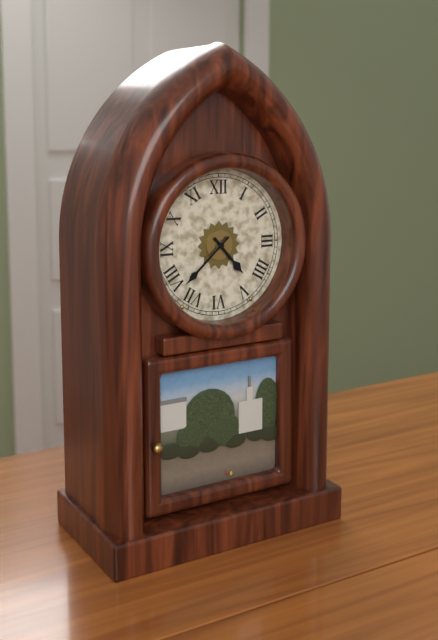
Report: 4:38
